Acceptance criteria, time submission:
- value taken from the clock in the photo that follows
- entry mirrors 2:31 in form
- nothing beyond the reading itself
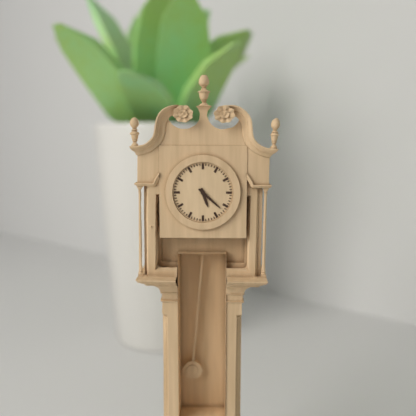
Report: 5:22
